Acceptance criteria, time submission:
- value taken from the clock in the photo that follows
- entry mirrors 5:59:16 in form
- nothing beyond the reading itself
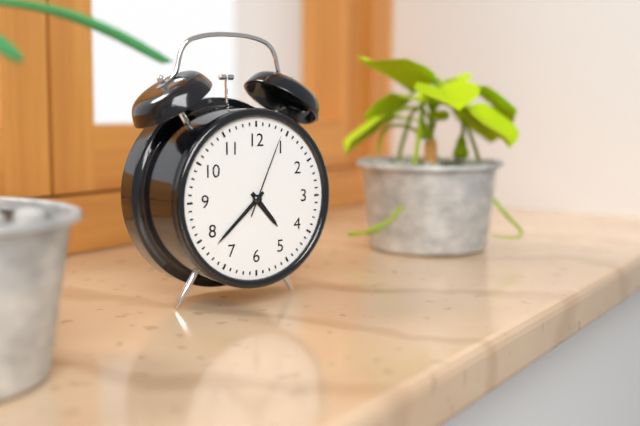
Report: 4:38:04
